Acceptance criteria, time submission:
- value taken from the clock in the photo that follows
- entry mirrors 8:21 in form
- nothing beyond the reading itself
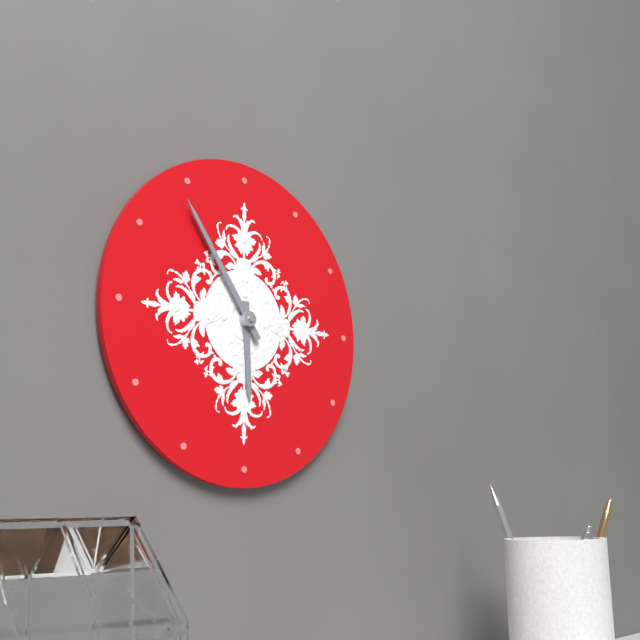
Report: 5:54
